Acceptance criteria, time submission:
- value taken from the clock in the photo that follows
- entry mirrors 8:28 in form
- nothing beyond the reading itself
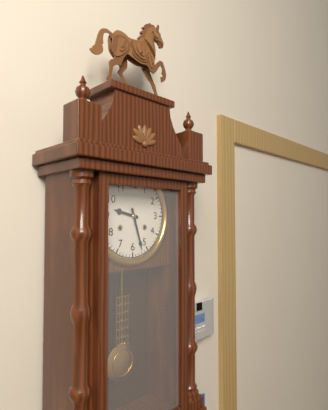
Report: 9:27
